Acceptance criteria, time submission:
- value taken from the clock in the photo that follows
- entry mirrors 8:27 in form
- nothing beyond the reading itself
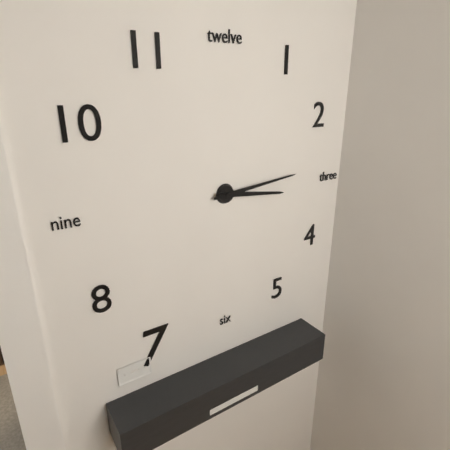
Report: 3:14
